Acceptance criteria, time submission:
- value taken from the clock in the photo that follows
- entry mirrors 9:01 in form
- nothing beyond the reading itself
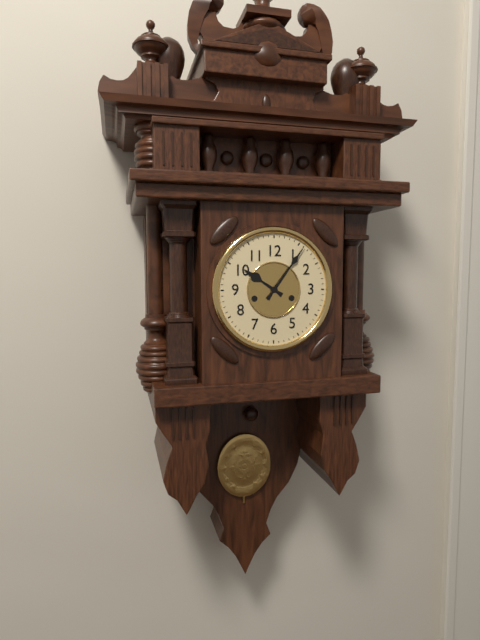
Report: 10:06
